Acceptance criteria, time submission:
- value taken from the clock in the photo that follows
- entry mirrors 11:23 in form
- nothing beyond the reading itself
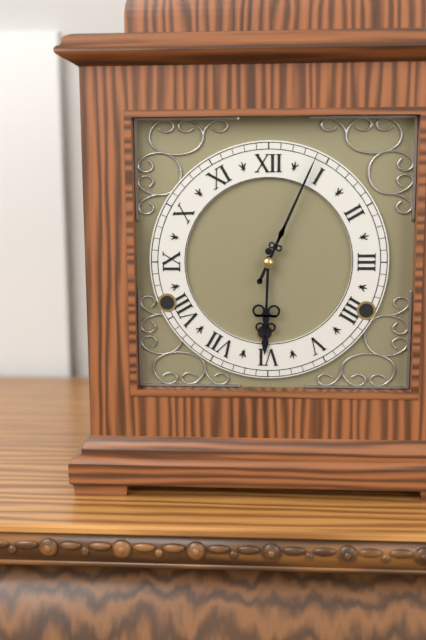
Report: 6:04
